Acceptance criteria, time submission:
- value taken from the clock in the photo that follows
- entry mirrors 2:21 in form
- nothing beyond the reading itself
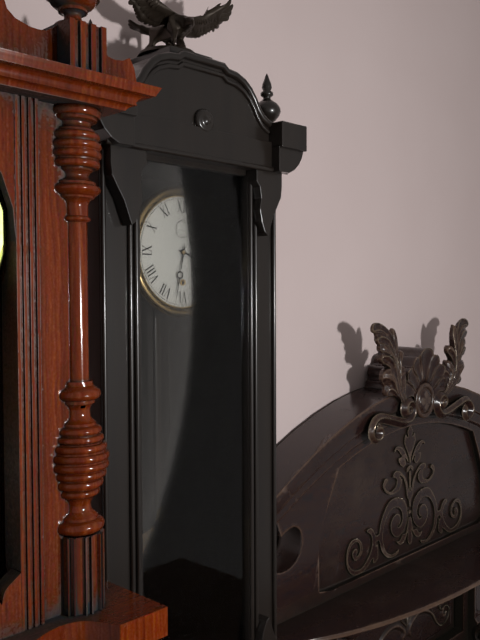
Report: 3:32
